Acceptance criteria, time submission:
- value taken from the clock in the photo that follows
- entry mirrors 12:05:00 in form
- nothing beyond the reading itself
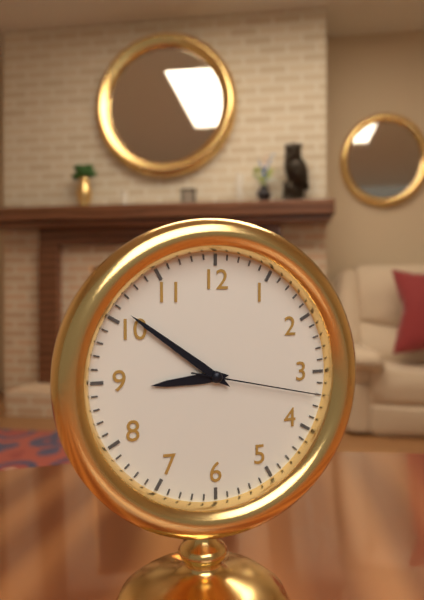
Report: 8:51:17
